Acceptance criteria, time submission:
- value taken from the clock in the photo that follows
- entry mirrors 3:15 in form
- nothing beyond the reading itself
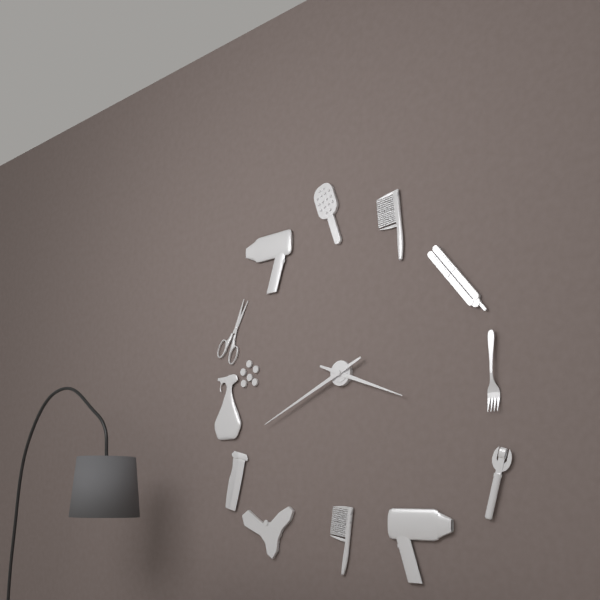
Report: 3:41
